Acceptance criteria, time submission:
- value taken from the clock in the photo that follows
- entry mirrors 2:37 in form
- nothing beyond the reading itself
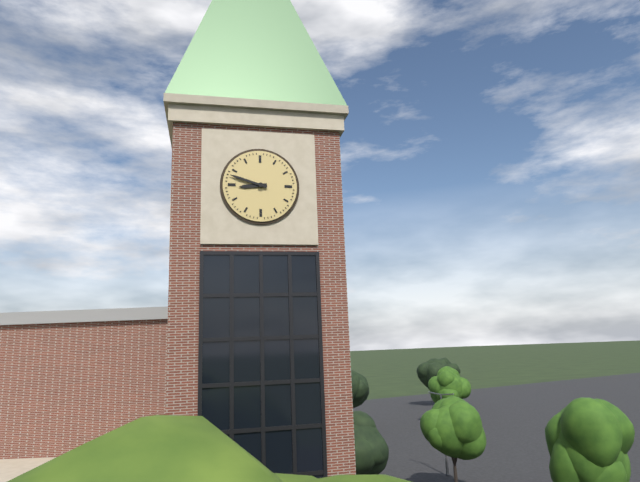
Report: 8:48
